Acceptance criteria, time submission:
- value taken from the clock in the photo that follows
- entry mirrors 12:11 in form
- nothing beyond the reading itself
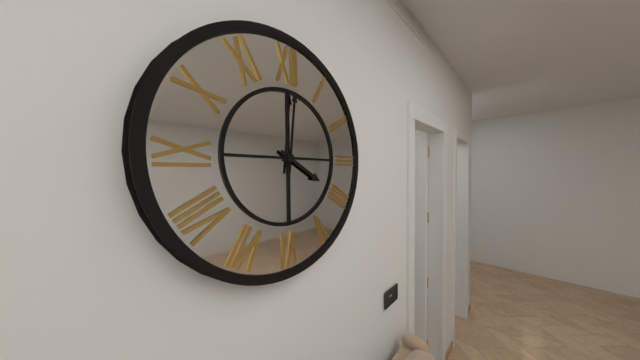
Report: 4:01
